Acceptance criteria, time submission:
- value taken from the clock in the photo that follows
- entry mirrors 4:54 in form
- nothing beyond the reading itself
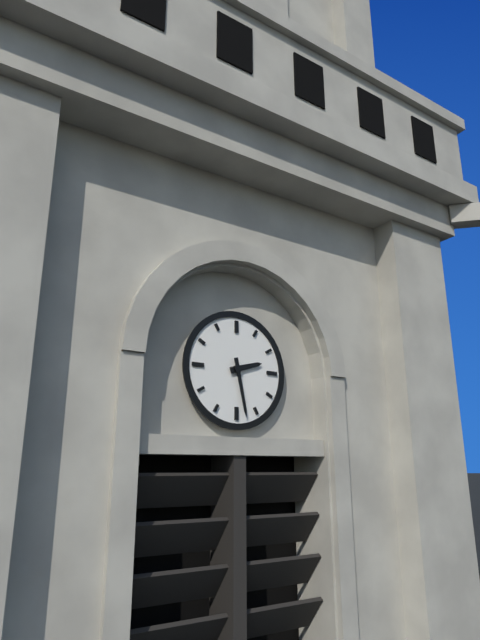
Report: 2:28
